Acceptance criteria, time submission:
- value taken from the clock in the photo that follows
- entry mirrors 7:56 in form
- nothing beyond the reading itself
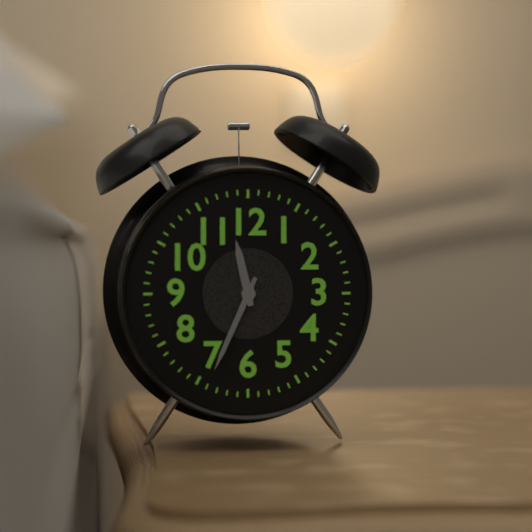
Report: 11:34
